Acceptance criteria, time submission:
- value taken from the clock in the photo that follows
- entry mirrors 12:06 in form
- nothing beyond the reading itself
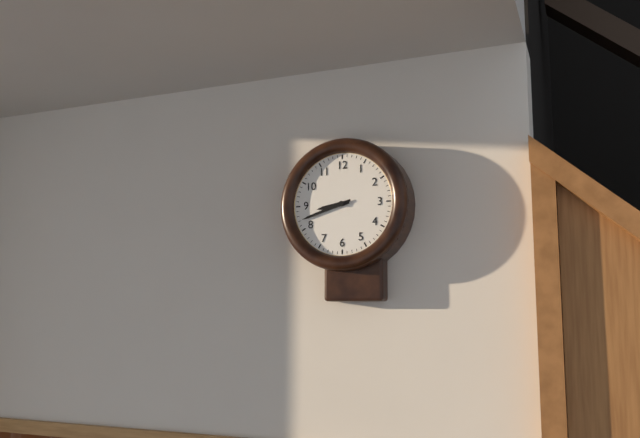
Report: 8:42
